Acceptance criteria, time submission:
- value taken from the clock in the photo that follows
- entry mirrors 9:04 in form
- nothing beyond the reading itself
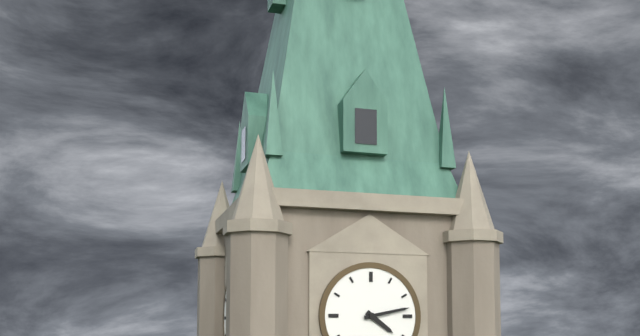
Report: 4:13
